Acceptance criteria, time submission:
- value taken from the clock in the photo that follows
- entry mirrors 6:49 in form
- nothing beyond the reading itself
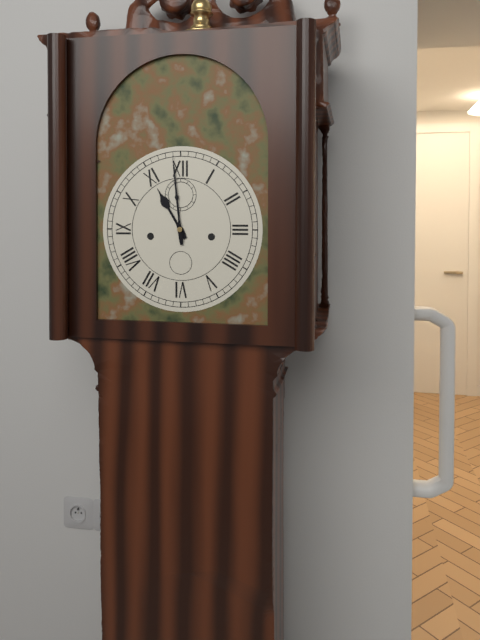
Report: 10:59
